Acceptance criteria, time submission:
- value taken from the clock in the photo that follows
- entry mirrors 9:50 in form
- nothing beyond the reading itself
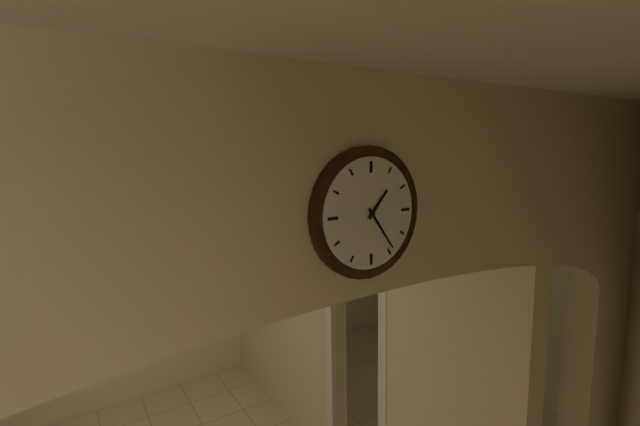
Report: 1:24
